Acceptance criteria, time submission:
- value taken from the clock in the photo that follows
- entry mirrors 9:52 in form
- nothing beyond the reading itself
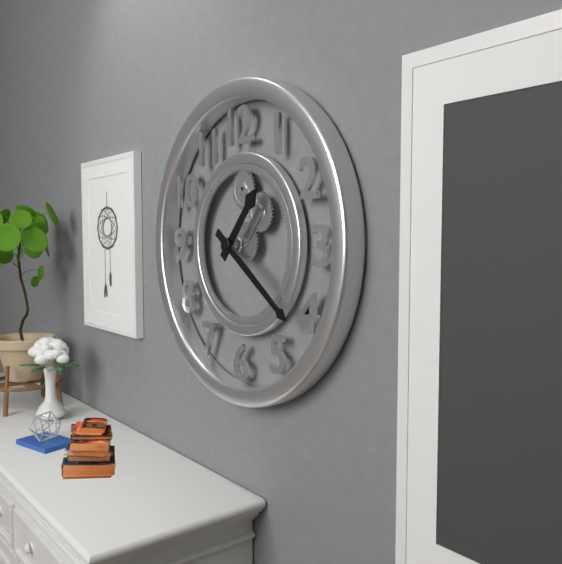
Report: 1:21
